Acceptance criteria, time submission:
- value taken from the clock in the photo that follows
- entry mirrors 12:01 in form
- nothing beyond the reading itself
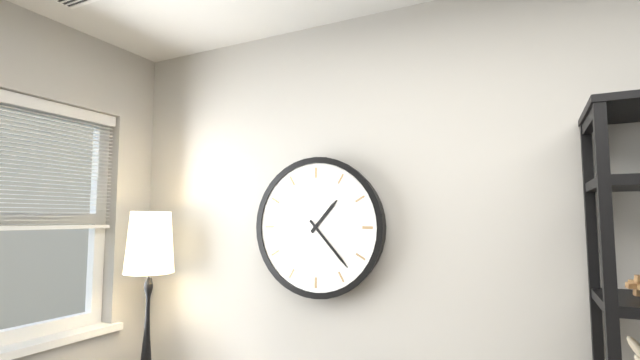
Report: 1:23
